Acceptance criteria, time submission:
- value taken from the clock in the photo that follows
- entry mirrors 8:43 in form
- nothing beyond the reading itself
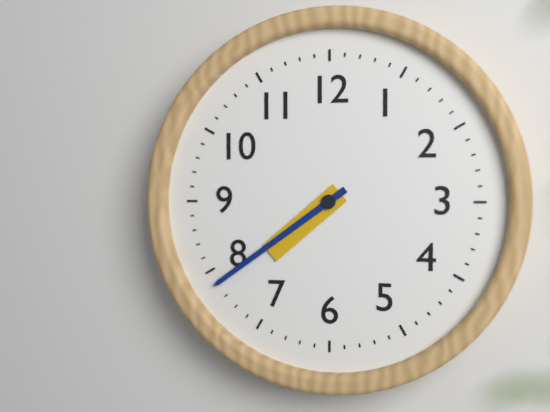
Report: 7:39
